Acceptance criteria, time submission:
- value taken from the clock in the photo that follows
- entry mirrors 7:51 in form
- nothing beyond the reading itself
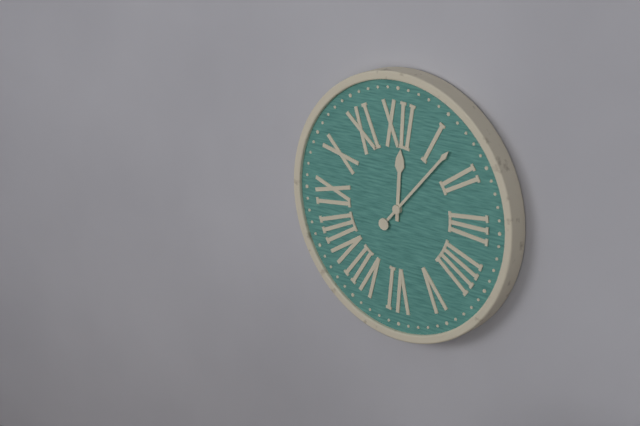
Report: 12:07
